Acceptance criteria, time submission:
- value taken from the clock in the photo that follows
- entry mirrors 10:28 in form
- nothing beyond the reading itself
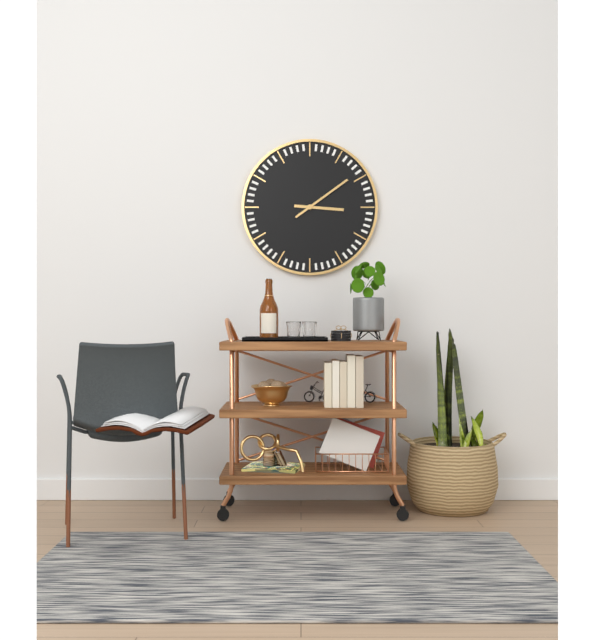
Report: 3:09
